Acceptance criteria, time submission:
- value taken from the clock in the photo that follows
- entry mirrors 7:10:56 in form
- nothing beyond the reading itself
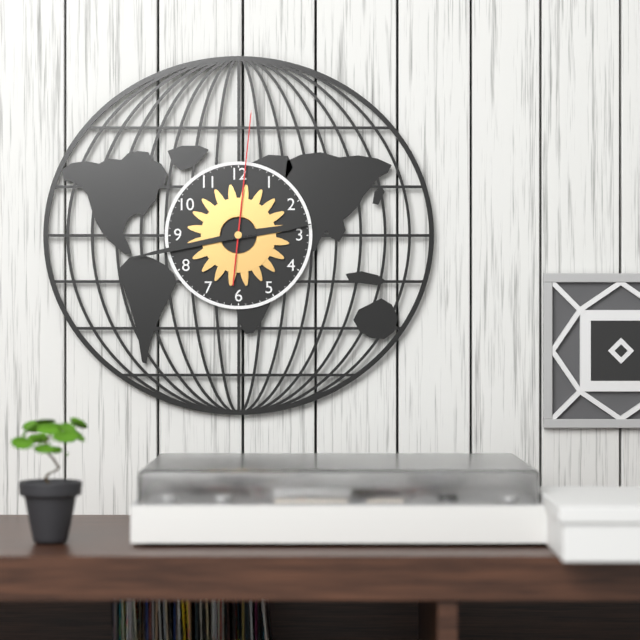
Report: 2:43:01
